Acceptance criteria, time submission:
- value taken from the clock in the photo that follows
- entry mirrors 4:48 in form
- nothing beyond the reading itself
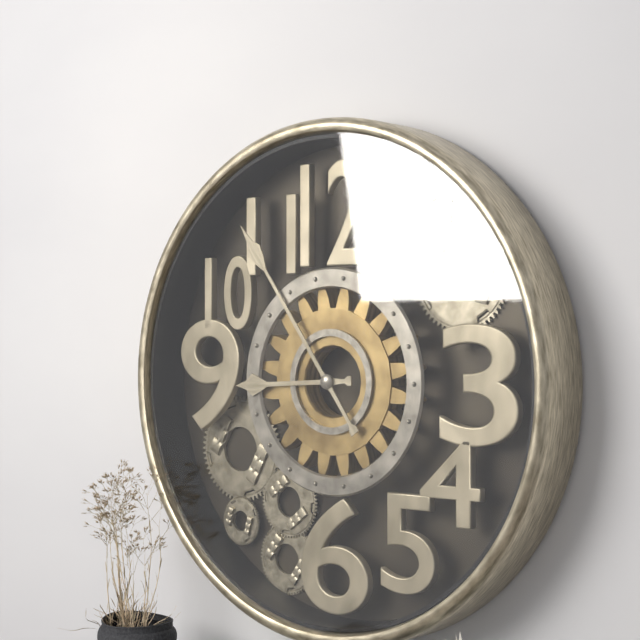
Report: 8:54
